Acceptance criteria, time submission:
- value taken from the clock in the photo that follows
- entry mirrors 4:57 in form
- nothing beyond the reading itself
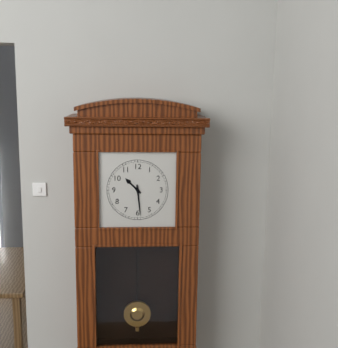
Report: 10:29
